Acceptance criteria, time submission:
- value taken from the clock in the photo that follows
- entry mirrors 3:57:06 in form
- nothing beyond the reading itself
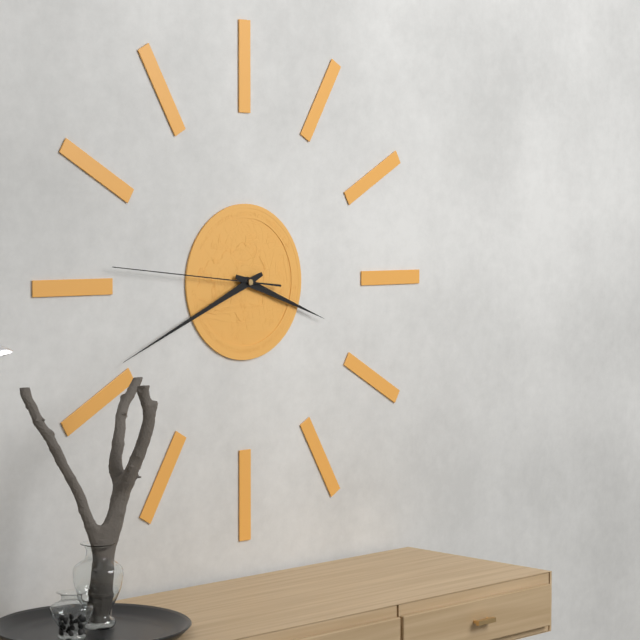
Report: 3:41:46
